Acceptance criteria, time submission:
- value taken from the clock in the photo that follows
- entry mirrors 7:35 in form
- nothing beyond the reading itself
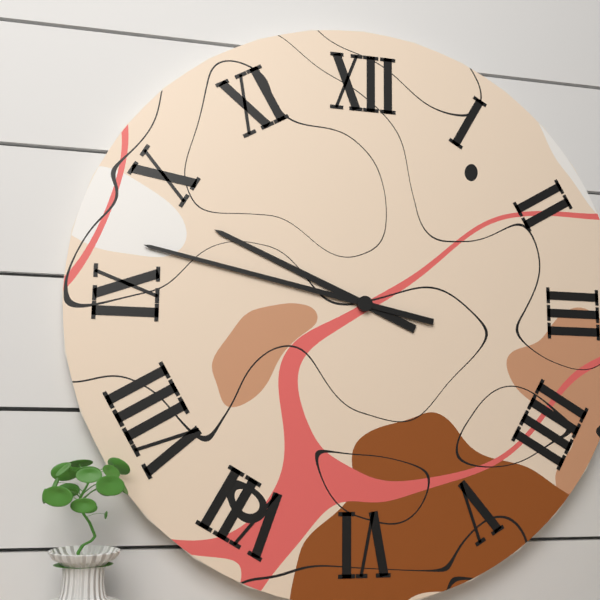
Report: 9:47
